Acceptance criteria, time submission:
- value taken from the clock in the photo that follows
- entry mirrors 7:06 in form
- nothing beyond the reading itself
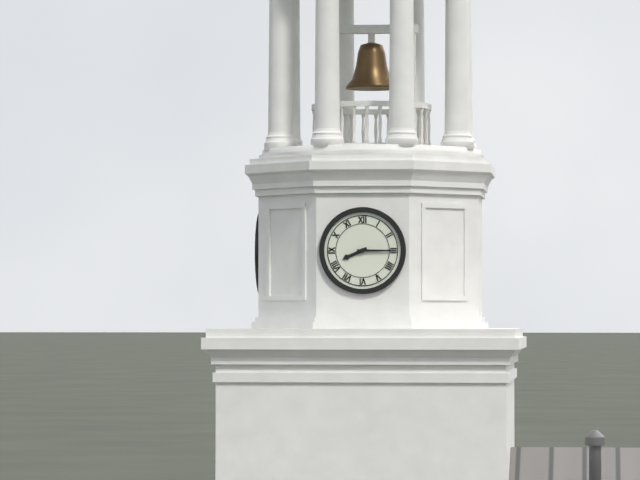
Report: 8:15
